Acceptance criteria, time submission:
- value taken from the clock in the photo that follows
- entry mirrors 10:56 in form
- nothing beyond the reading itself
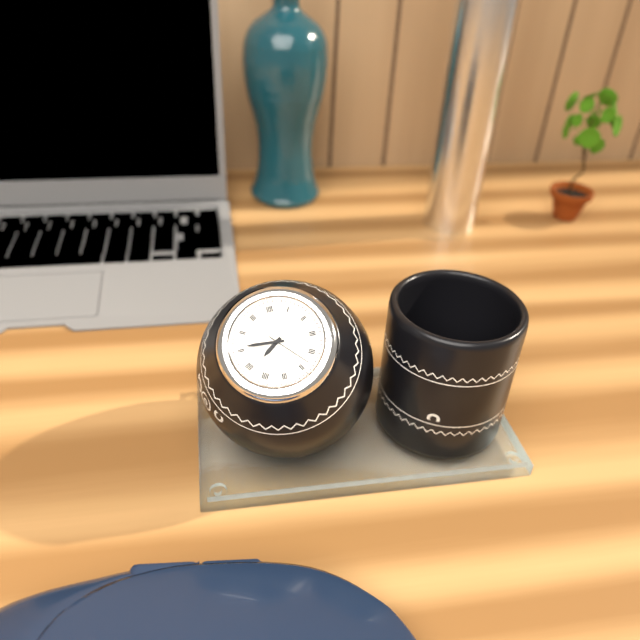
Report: 7:46
